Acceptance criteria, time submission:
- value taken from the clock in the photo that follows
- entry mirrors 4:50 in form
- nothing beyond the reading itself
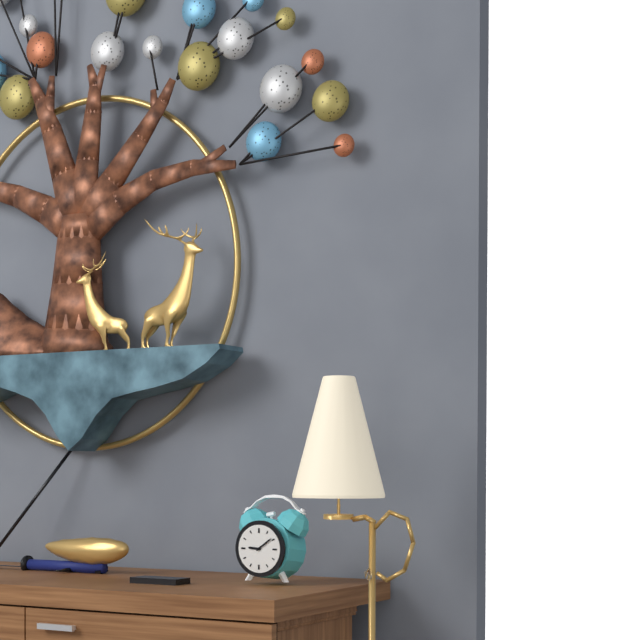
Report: 9:09
